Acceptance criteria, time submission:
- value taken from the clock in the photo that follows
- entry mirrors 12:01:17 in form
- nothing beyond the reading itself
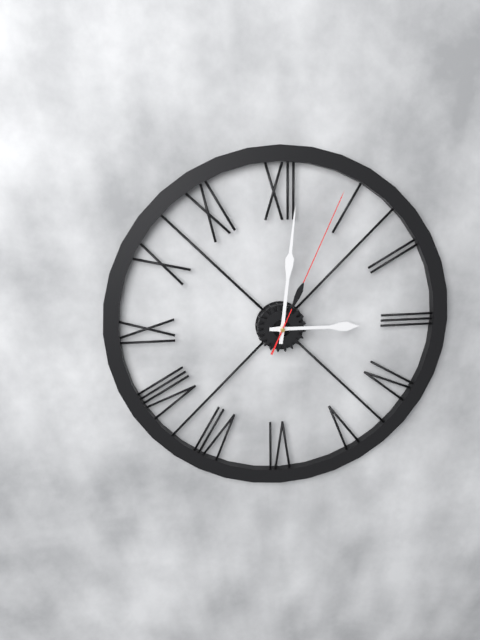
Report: 3:01:04
